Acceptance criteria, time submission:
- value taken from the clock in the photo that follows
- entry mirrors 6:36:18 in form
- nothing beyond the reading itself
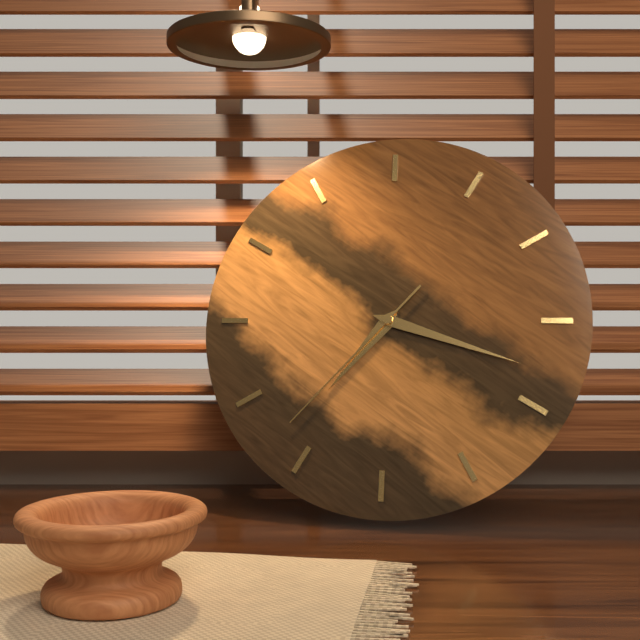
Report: 7:18:37
